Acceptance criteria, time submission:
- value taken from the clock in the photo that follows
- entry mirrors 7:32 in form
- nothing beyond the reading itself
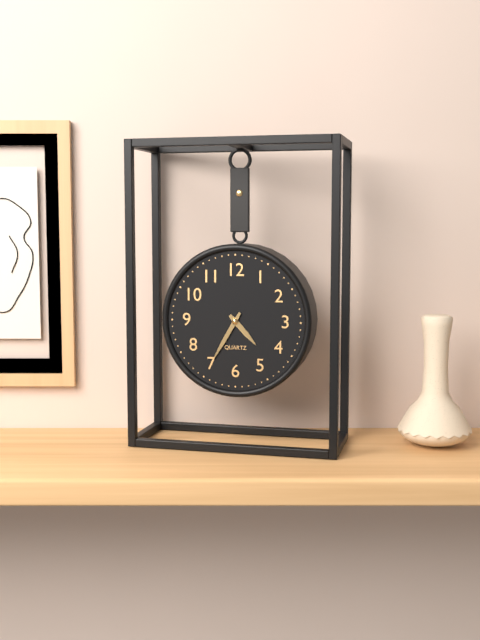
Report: 4:35
